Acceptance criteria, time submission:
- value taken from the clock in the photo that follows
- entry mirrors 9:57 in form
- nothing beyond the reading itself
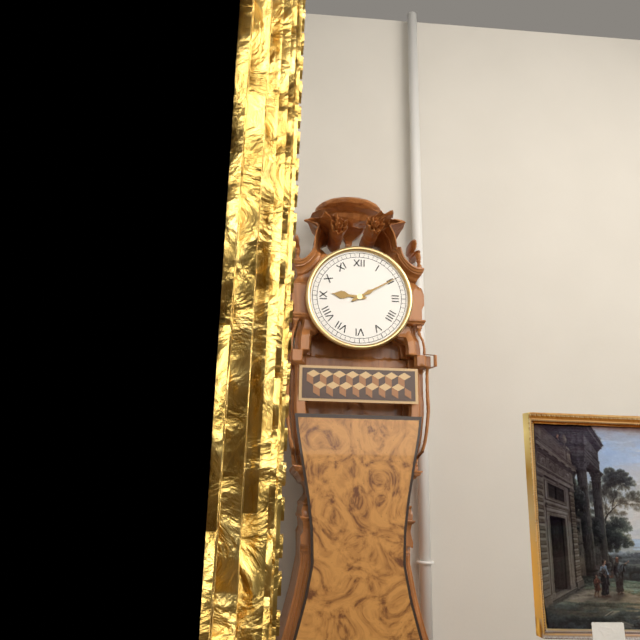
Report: 9:10
